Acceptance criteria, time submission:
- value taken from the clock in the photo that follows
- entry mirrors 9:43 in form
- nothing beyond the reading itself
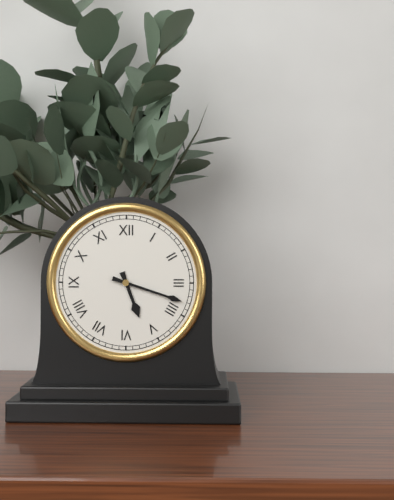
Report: 5:18
